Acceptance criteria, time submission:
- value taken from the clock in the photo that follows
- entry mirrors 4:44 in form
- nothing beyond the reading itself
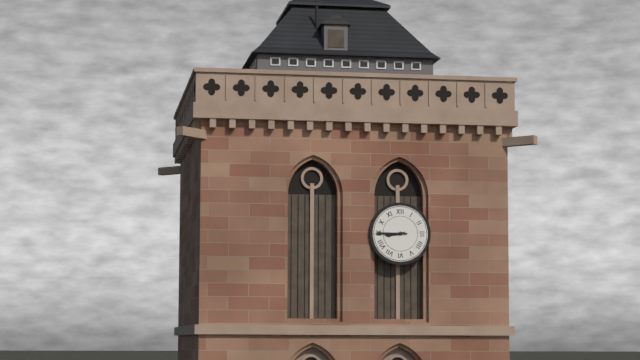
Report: 8:45
